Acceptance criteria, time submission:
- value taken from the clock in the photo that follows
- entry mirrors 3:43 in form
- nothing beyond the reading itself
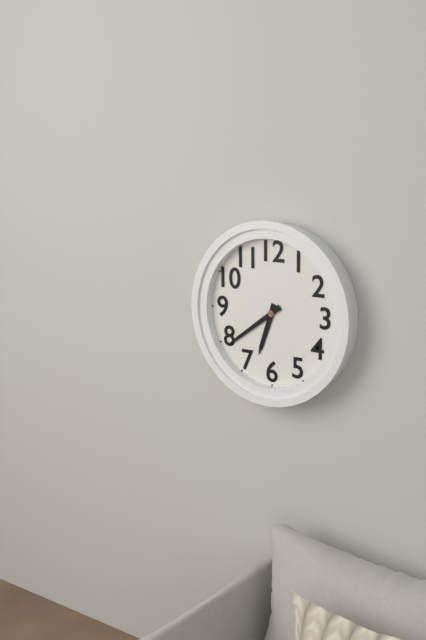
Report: 6:39
